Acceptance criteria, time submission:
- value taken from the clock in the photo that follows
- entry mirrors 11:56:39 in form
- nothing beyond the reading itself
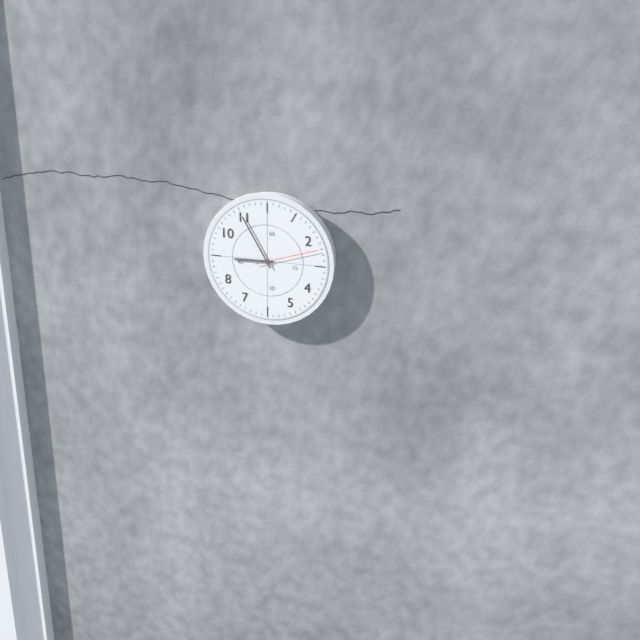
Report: 8:55:12
